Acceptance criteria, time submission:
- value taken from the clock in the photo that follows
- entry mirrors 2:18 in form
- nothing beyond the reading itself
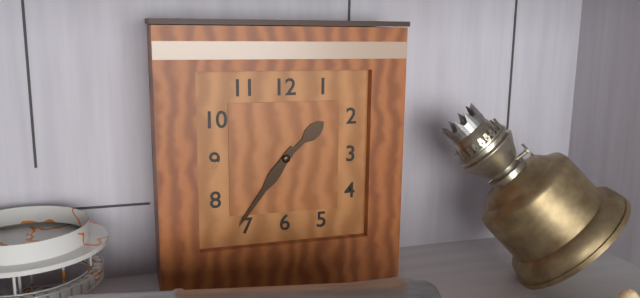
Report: 1:36
